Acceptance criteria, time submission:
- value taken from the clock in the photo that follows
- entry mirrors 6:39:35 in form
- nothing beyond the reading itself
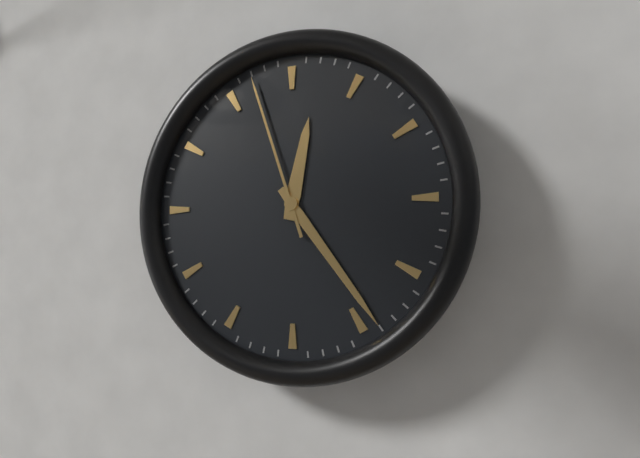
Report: 12:24:57
